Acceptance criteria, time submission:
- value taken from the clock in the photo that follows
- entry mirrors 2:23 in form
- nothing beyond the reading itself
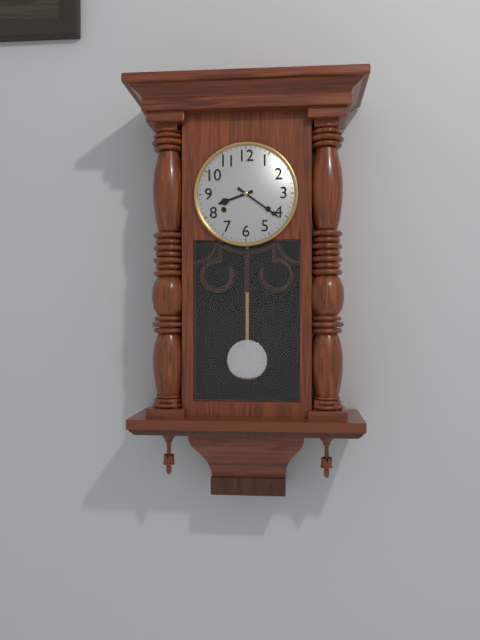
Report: 8:21
